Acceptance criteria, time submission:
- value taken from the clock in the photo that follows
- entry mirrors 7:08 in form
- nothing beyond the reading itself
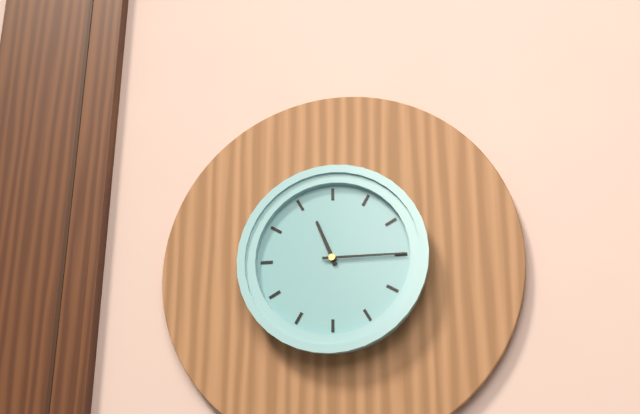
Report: 11:15
